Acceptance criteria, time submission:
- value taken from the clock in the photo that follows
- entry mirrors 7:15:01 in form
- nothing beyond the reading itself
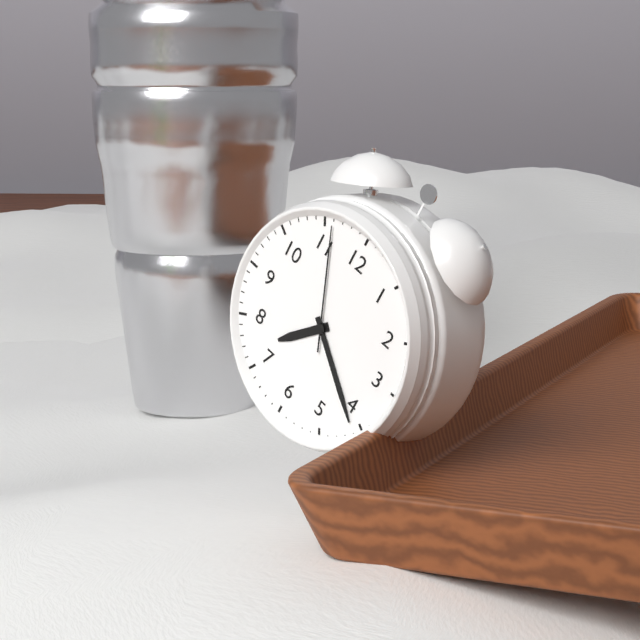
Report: 7:21:56
